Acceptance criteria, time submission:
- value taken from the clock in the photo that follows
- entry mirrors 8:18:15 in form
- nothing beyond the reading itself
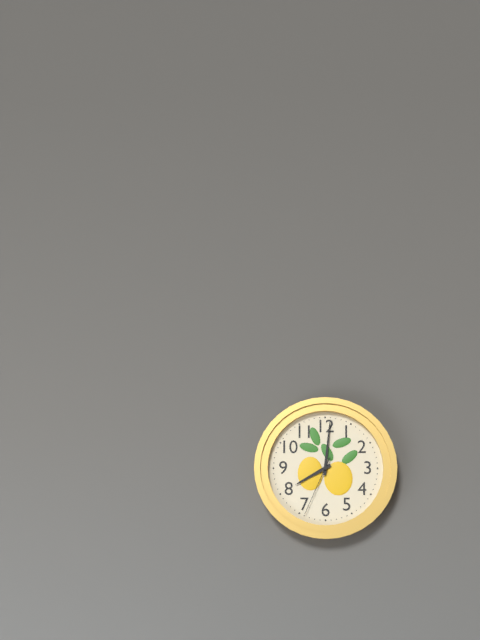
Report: 8:01:34
